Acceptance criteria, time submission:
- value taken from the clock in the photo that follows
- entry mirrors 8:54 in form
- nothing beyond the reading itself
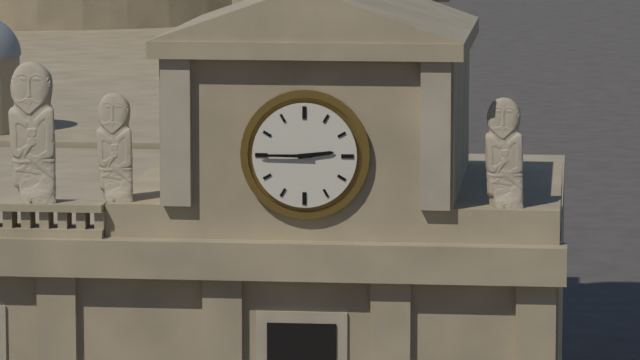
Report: 2:45
